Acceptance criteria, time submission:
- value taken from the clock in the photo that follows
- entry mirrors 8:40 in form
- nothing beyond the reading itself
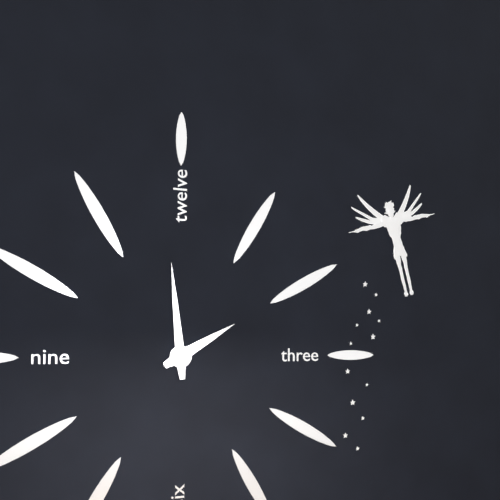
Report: 1:59
